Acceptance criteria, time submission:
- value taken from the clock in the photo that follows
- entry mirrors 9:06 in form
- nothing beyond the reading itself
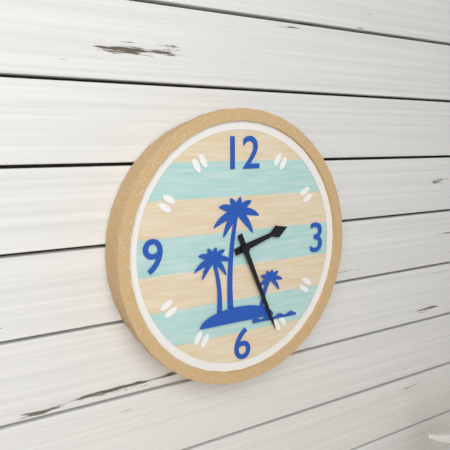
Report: 2:26
